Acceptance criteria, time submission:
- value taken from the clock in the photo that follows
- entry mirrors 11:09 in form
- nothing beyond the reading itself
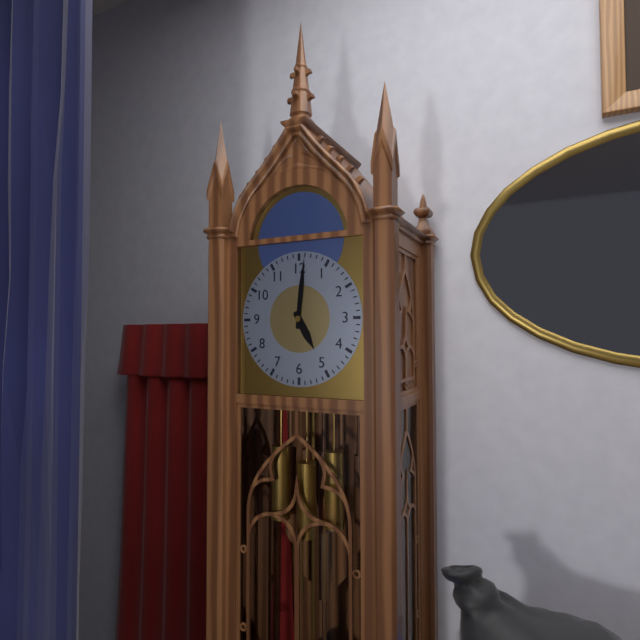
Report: 5:01
